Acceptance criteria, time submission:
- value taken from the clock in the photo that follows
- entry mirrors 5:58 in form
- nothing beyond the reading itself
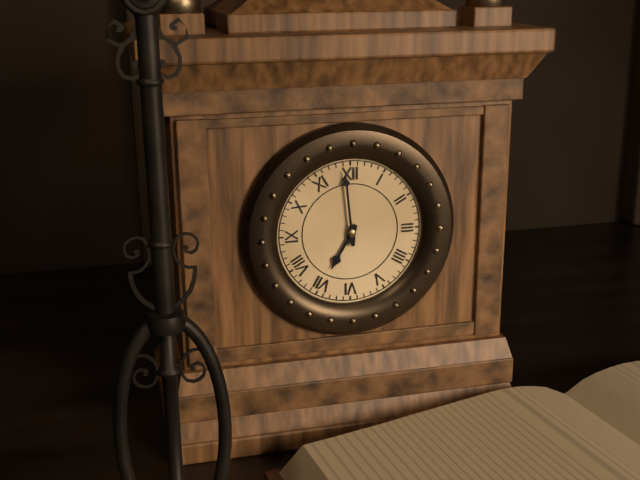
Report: 6:59
